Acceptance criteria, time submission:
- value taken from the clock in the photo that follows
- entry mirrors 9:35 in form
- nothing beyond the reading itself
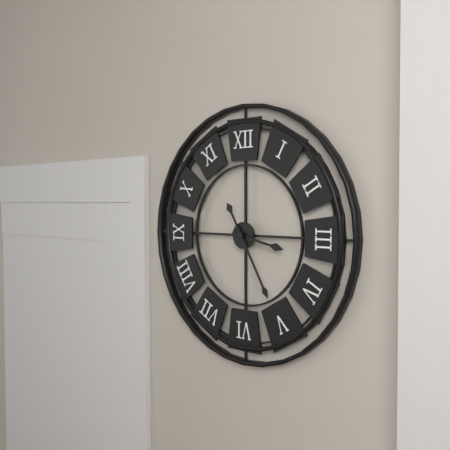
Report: 3:25
